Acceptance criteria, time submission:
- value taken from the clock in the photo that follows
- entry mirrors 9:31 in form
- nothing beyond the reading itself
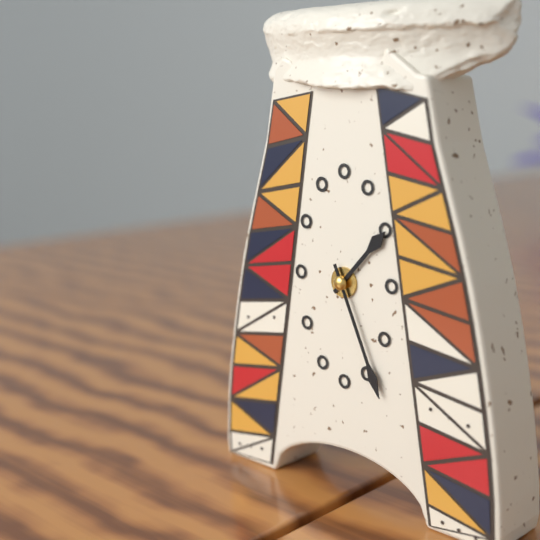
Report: 1:26
